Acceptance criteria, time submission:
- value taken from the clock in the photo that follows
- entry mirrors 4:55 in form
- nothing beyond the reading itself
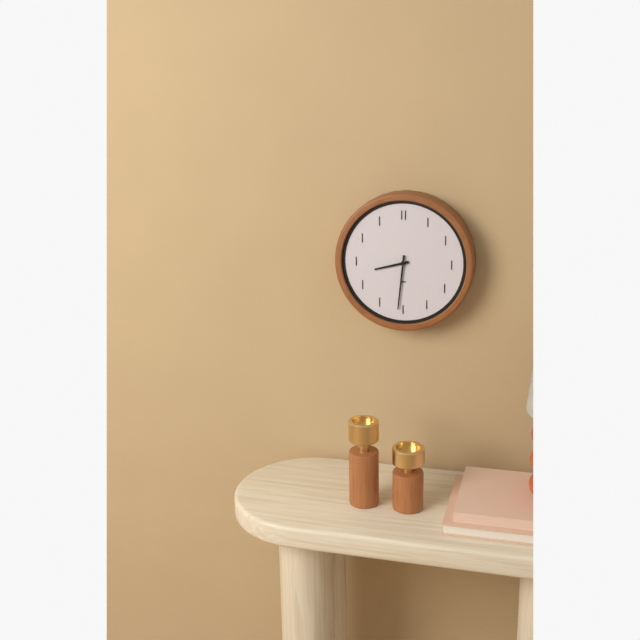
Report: 8:31
